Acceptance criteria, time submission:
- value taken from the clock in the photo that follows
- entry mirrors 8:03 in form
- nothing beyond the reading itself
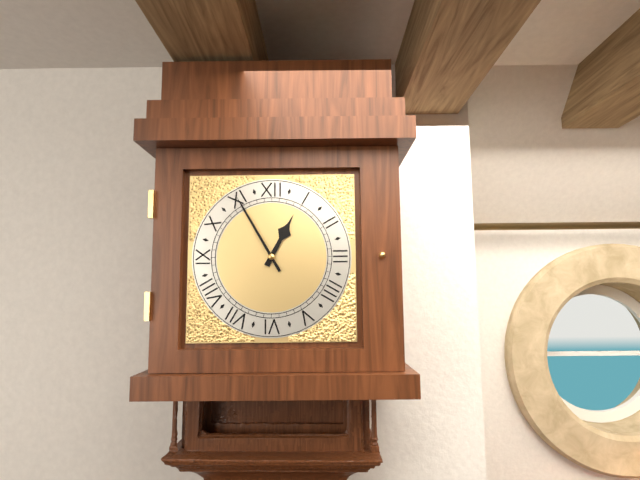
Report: 12:55
